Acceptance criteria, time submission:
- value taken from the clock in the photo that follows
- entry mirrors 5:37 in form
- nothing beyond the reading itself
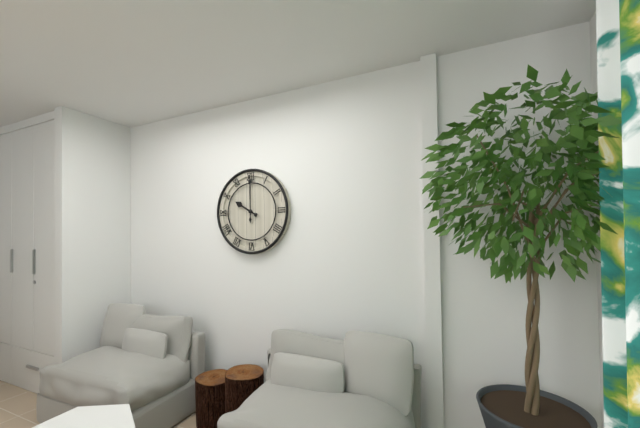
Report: 10:00
